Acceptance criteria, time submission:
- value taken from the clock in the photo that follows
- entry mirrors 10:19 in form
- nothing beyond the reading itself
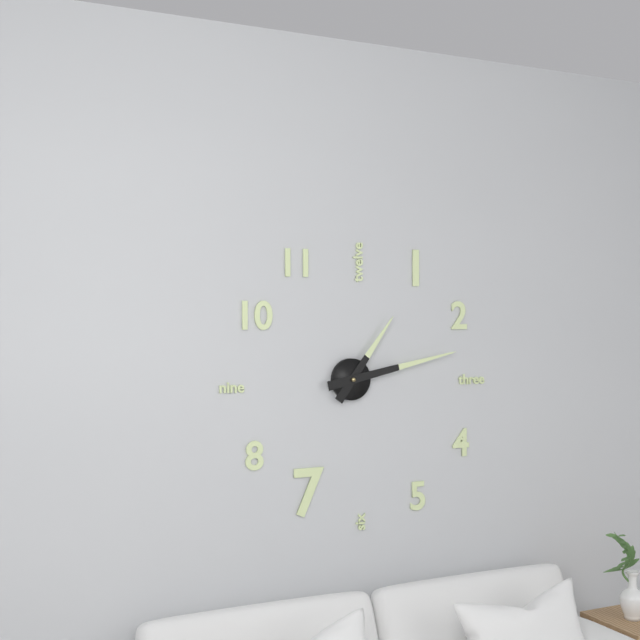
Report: 1:13
